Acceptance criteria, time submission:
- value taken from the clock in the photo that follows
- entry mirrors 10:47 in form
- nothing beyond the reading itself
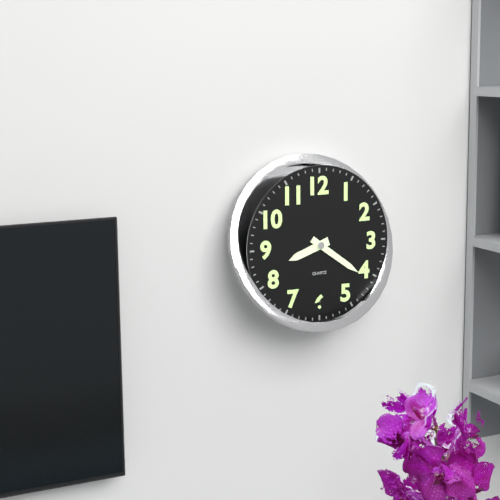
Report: 8:21
